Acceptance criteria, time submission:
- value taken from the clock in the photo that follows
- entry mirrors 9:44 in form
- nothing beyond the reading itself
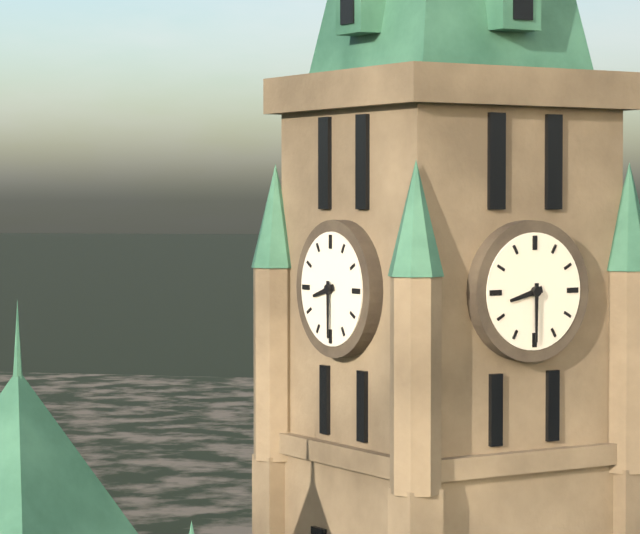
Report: 8:30
